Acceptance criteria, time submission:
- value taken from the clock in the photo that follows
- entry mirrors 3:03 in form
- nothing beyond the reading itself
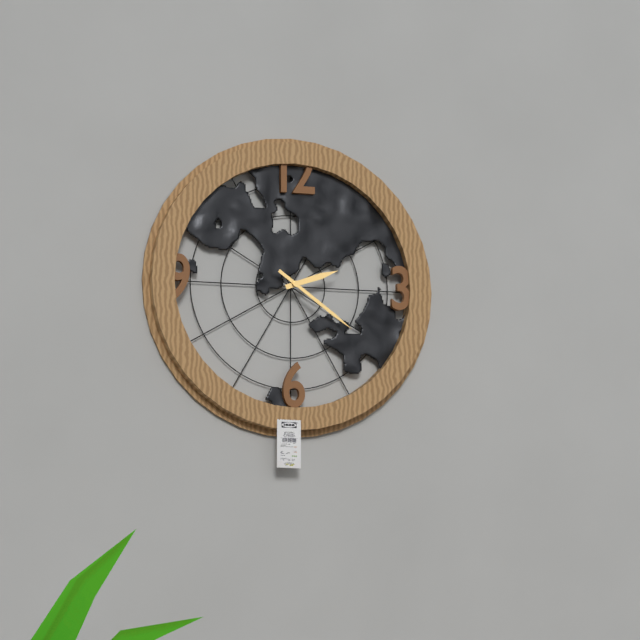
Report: 2:21
